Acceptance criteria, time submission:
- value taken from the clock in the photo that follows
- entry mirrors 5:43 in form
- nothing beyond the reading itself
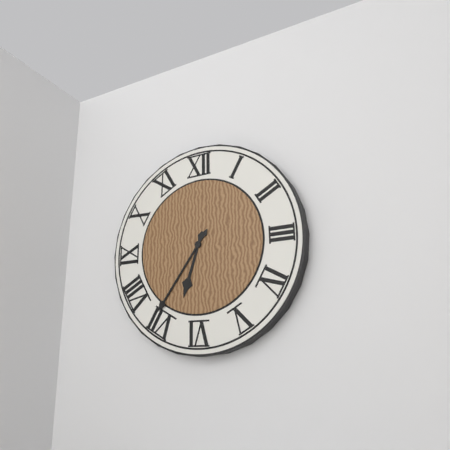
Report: 6:36
